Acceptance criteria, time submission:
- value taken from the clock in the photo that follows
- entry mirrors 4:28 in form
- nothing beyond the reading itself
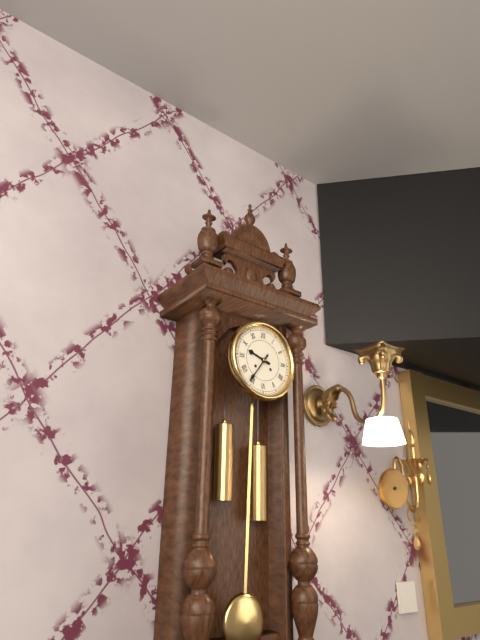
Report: 9:36
